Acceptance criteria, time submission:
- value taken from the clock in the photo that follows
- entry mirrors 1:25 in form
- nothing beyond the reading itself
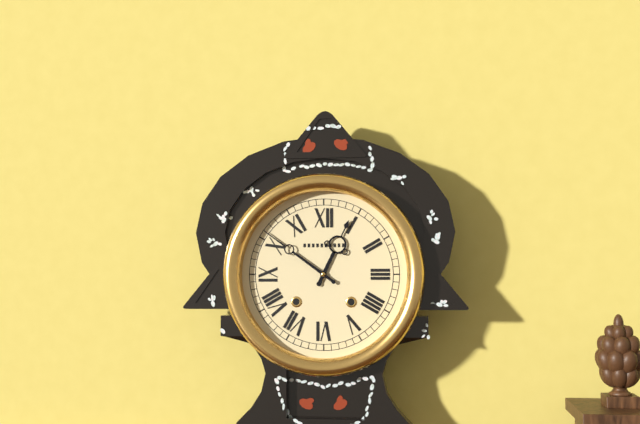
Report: 12:51
